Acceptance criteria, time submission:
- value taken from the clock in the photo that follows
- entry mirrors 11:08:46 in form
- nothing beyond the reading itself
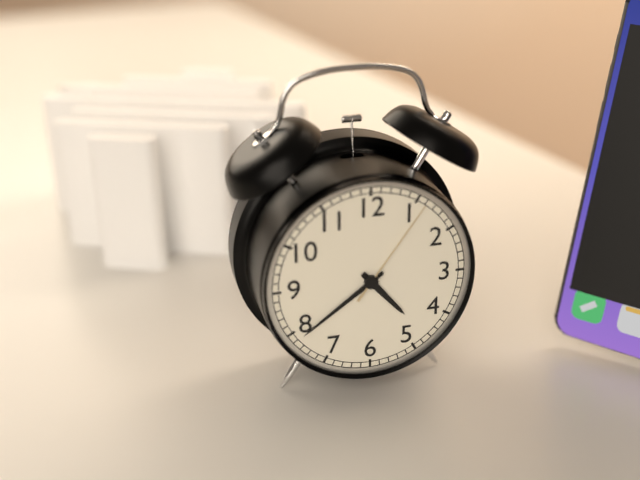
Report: 4:39:06
